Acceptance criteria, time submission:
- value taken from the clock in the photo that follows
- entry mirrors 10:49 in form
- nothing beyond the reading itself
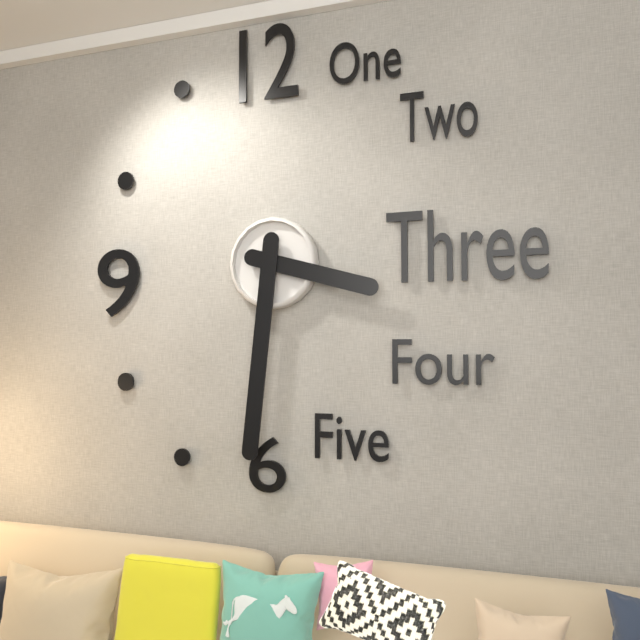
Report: 3:31
